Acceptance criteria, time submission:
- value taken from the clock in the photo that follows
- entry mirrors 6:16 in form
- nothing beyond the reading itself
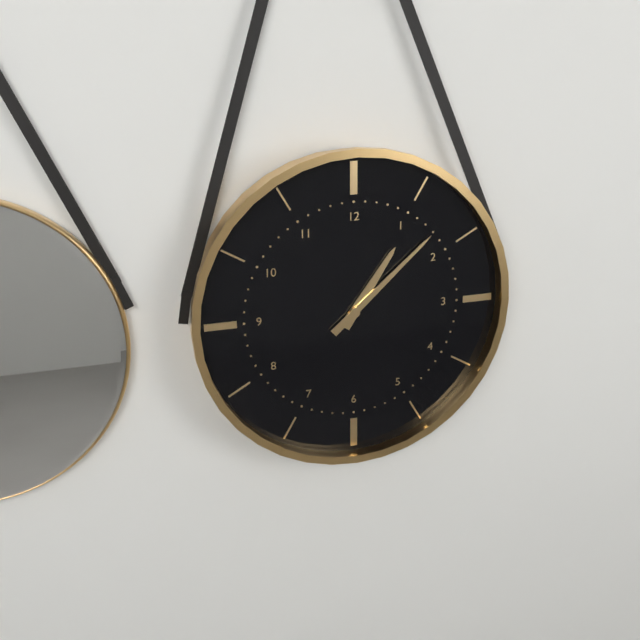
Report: 1:08
